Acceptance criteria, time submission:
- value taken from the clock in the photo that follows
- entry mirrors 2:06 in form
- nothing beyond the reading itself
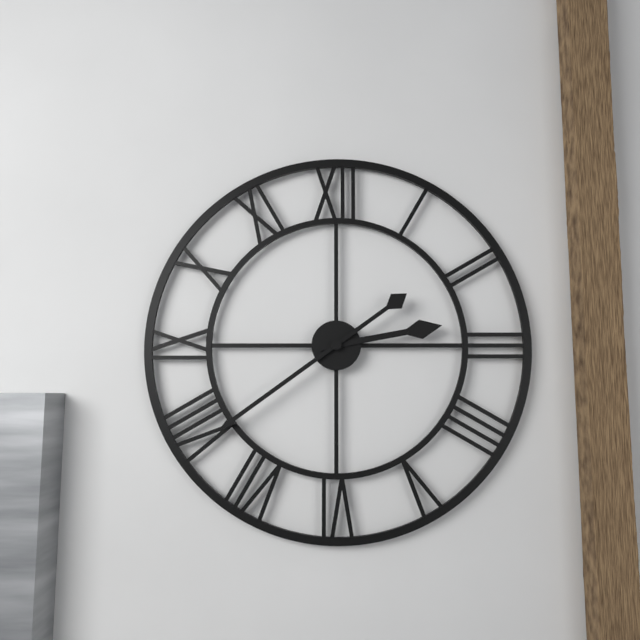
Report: 2:39
